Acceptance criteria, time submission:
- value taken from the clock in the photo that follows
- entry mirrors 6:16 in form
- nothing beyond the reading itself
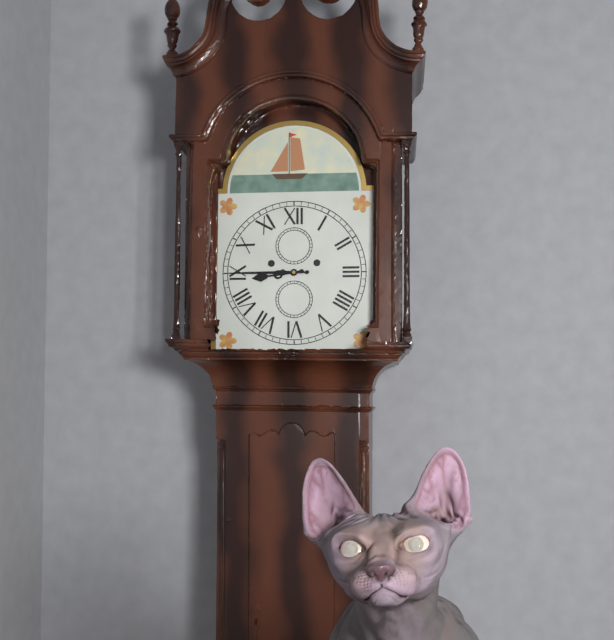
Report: 8:45
